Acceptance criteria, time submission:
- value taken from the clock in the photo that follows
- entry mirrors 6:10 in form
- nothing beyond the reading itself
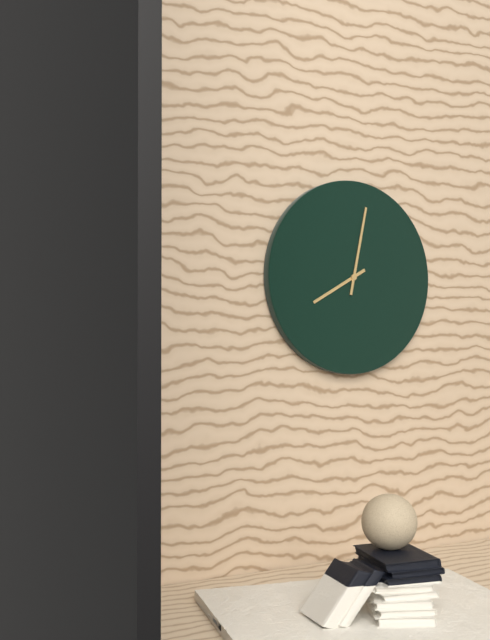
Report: 8:02
